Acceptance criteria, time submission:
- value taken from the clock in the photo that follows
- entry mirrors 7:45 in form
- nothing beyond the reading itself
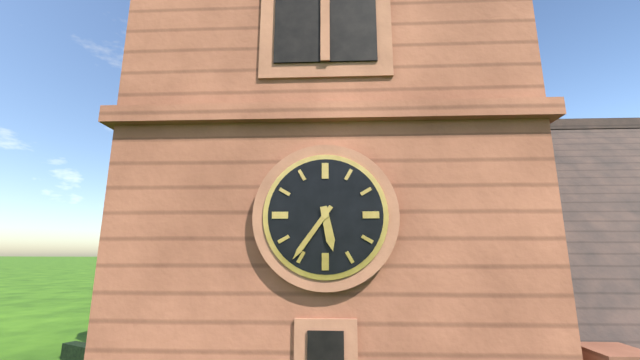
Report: 5:36
